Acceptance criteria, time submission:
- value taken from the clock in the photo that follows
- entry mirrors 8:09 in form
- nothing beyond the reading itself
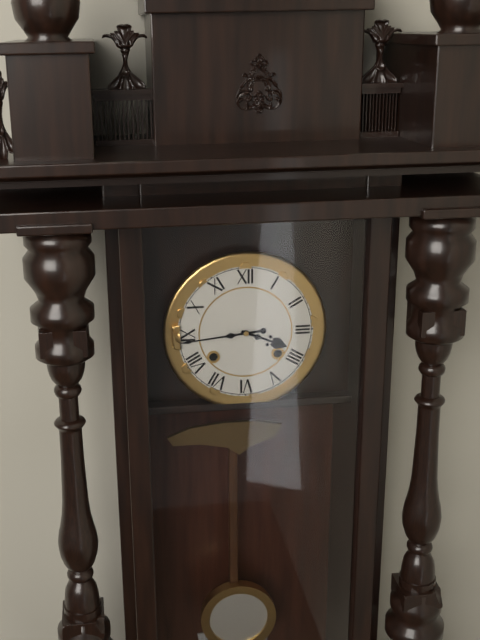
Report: 3:44
